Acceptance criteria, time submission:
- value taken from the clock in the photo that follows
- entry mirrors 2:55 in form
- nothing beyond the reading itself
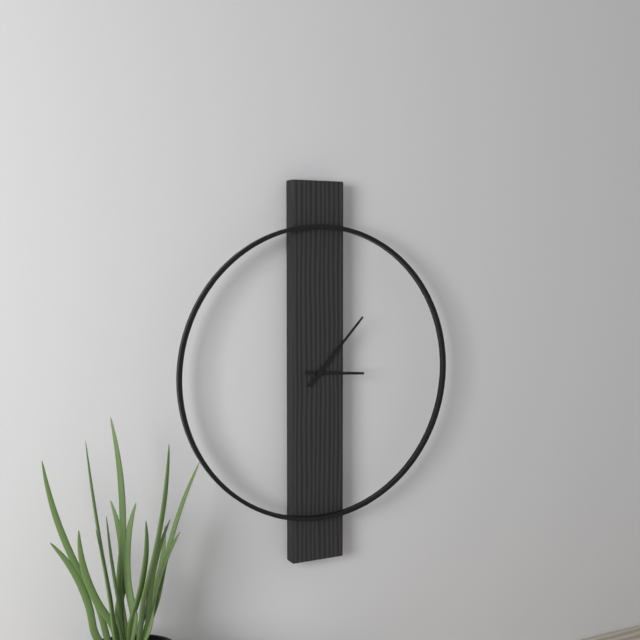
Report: 3:07
